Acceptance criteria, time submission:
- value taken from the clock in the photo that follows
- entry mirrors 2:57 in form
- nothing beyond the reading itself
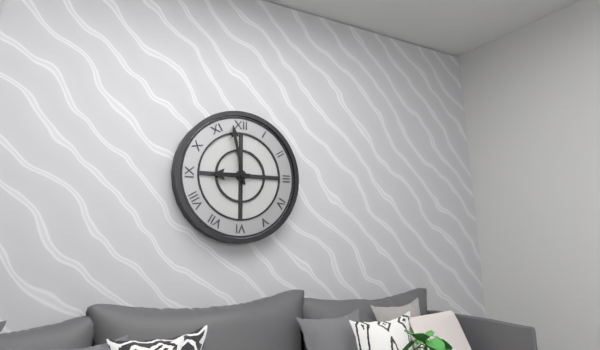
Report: 8:58
